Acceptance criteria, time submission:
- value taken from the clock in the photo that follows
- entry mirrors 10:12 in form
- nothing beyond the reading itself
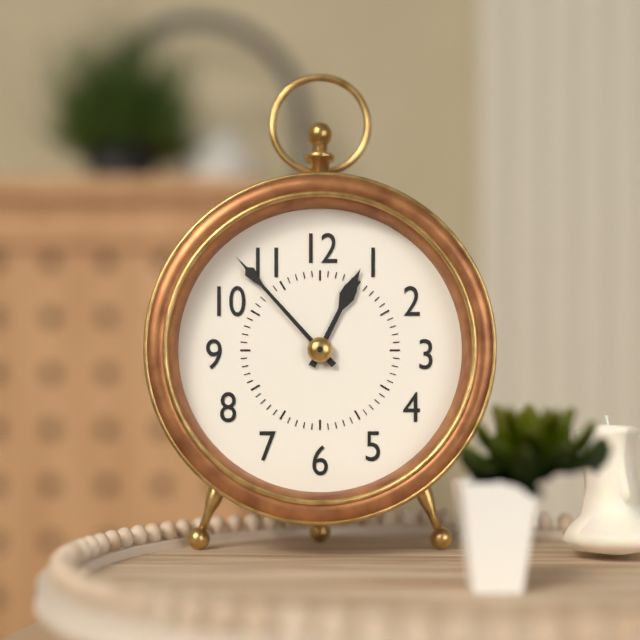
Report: 12:53
